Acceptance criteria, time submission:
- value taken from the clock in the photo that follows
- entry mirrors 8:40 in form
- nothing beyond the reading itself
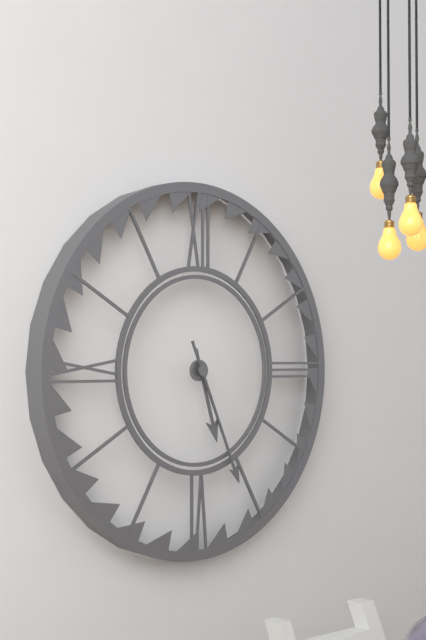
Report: 5:26
